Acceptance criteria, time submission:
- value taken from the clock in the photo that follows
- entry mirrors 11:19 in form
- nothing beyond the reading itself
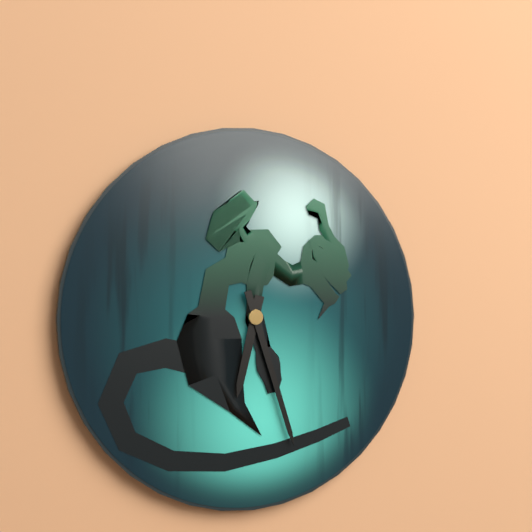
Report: 6:27
